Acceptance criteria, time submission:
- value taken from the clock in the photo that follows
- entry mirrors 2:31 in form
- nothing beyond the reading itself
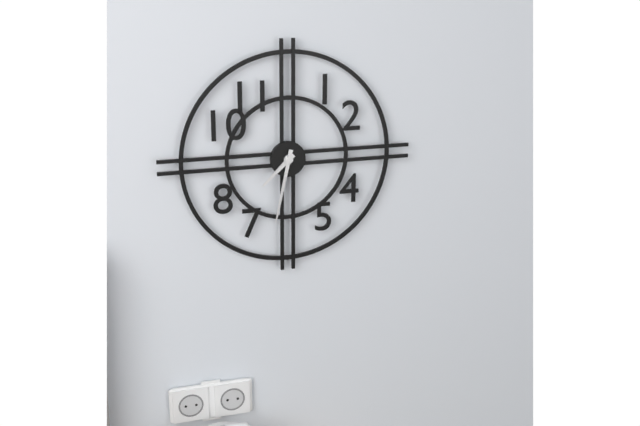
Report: 7:32
